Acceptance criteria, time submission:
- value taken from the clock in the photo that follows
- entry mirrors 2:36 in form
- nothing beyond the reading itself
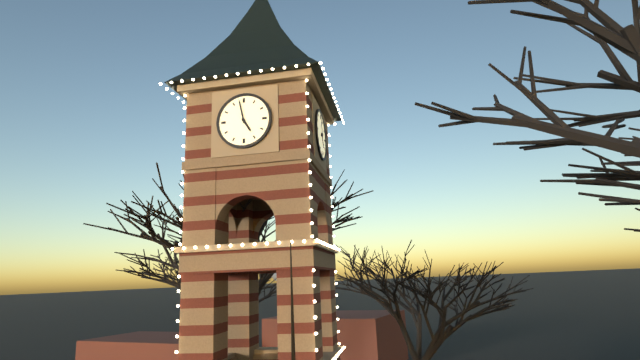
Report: 4:58
